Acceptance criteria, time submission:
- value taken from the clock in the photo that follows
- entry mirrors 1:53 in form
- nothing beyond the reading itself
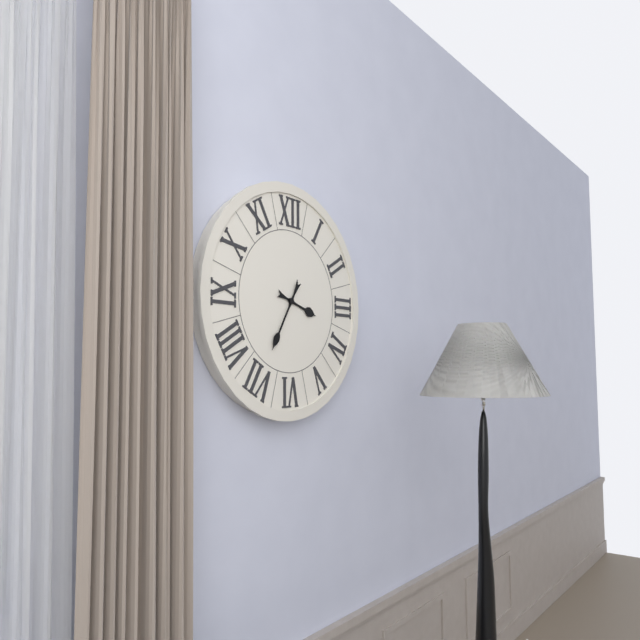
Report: 3:35
